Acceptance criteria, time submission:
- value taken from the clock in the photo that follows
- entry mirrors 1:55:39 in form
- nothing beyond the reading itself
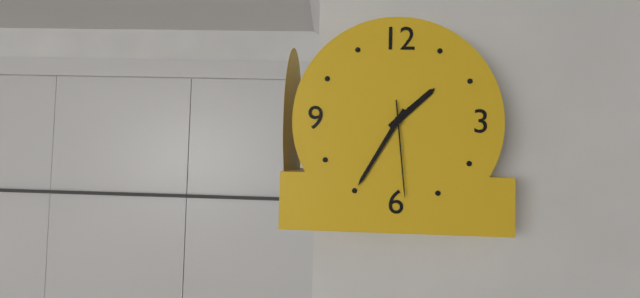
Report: 1:35:29
